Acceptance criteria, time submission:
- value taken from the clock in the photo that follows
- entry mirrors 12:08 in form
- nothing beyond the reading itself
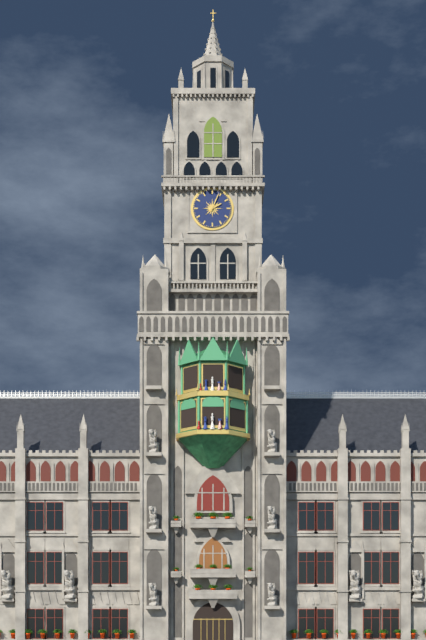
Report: 2:04
